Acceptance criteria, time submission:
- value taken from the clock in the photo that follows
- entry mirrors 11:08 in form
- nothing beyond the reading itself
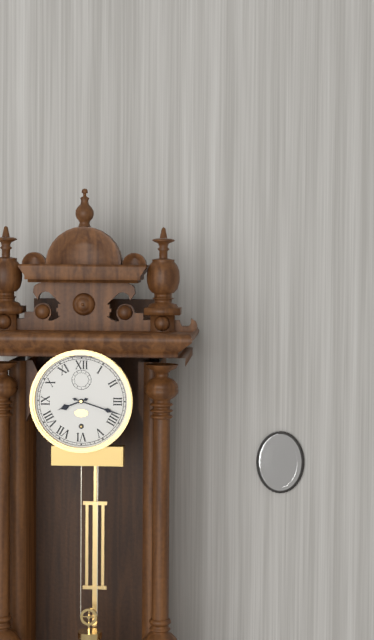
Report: 8:18
